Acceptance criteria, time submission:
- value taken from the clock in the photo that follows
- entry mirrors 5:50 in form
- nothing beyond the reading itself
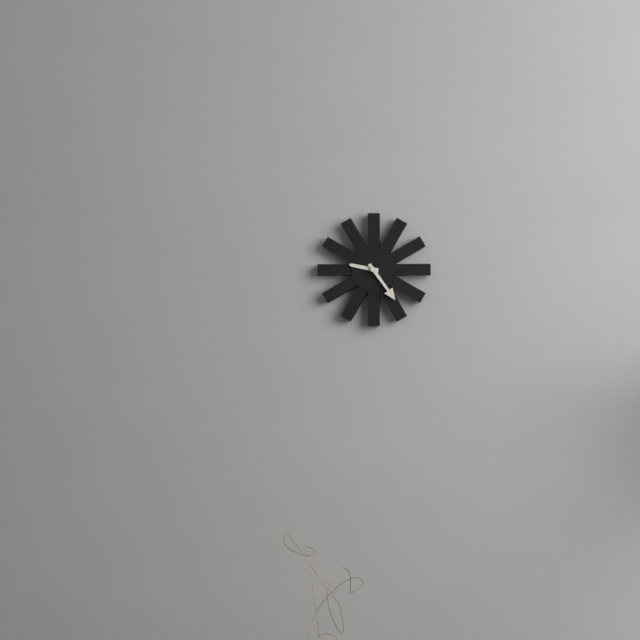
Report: 9:24
